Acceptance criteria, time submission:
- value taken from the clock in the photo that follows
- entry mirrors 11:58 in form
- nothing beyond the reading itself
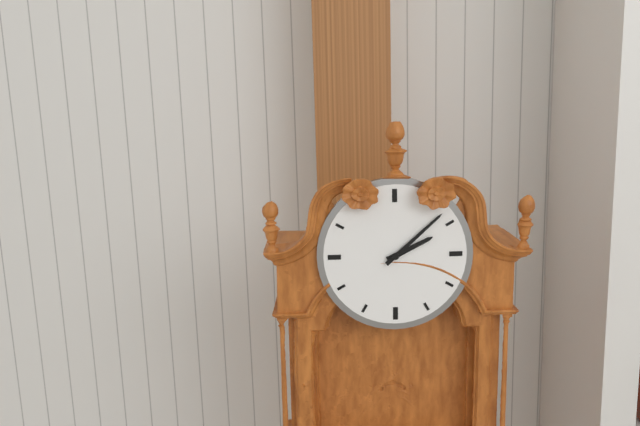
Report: 2:08
